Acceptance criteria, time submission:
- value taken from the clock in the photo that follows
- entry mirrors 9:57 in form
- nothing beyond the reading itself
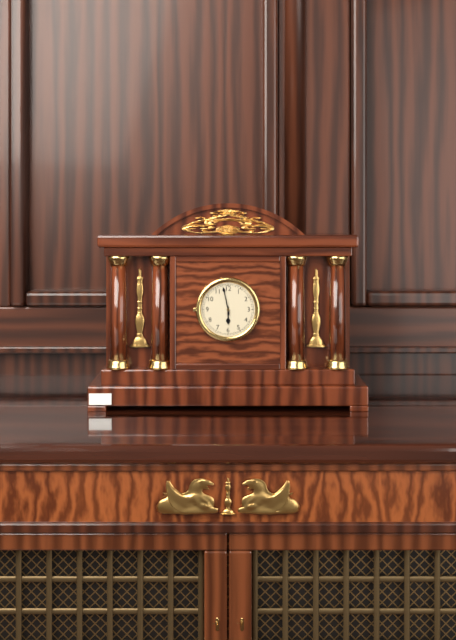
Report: 5:58
